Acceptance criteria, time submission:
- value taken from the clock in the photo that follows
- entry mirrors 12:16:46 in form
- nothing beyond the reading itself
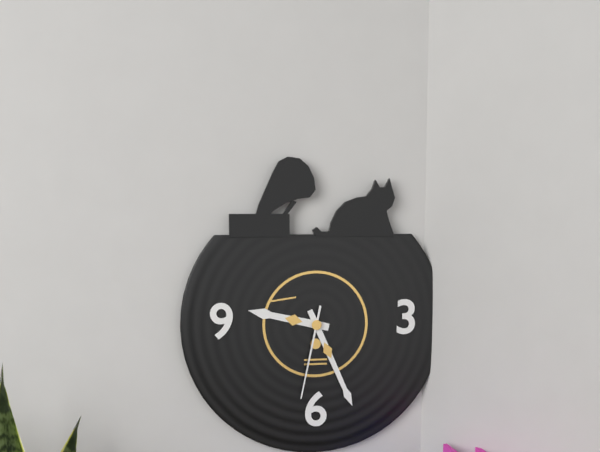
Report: 9:26:32
